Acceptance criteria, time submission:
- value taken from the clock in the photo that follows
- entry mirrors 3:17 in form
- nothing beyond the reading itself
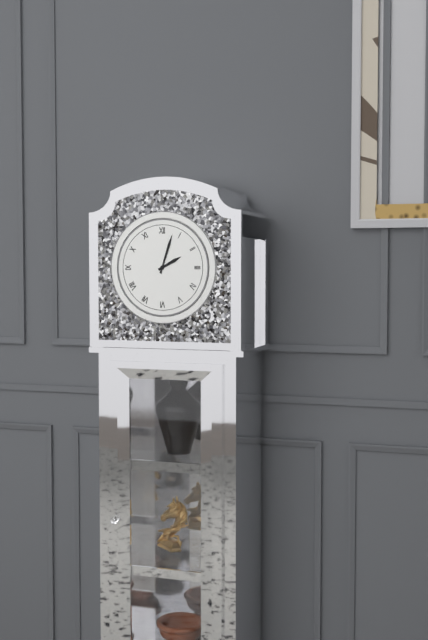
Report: 2:03
